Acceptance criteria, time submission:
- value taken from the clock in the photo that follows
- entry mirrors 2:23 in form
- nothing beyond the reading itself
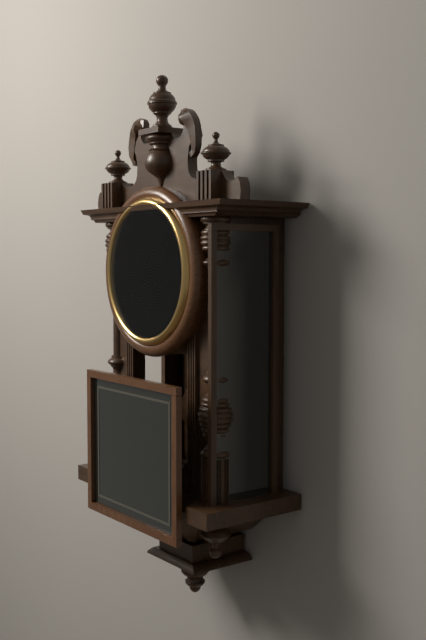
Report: 7:04
